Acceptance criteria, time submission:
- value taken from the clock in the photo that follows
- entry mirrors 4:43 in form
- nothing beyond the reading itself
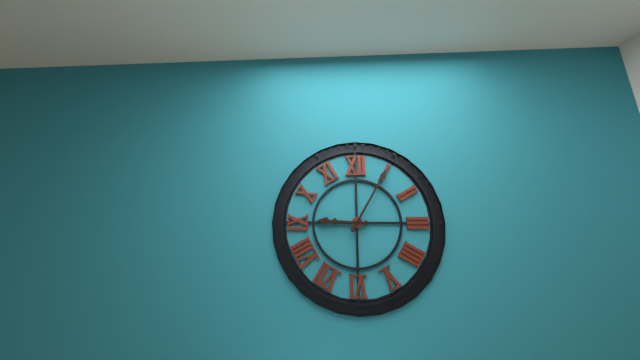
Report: 9:05
